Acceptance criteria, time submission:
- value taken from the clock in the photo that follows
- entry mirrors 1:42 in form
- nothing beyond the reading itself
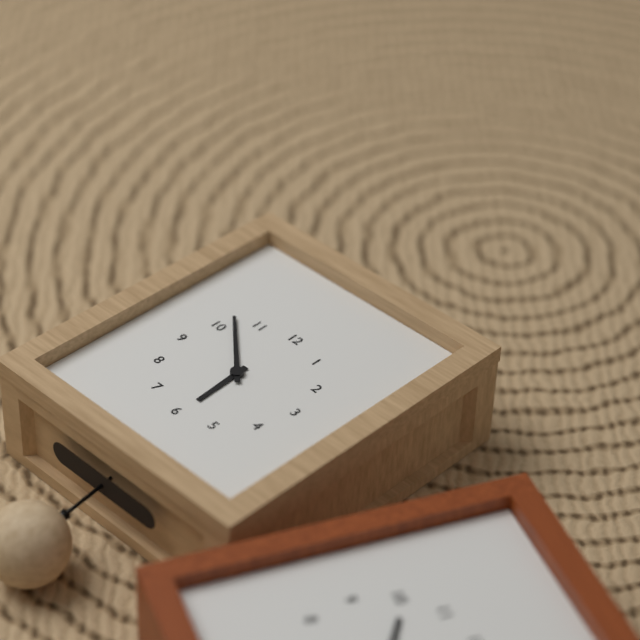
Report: 5:52
